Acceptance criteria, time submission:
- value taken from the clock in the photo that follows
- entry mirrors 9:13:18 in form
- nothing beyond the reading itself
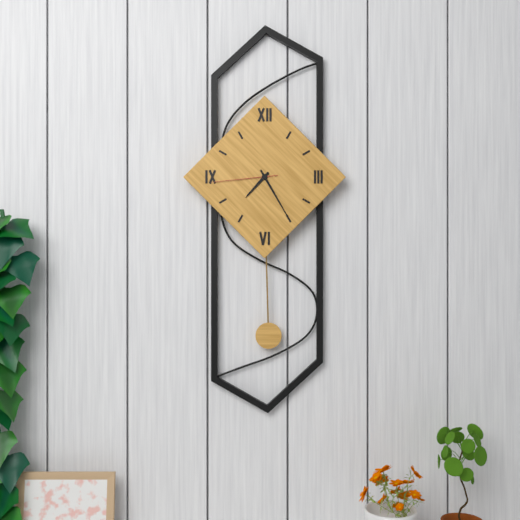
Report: 7:25:44
